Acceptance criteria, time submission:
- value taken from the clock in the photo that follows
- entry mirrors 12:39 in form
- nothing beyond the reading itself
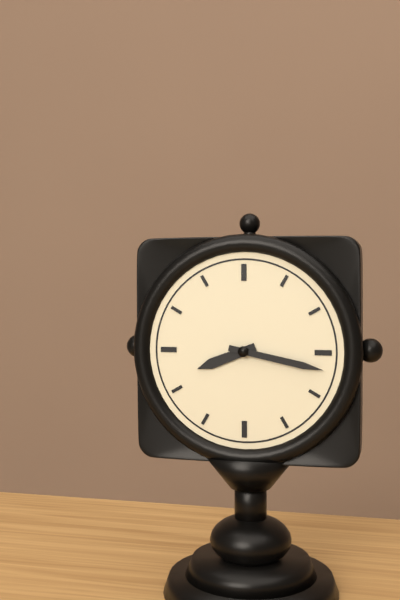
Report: 8:17
